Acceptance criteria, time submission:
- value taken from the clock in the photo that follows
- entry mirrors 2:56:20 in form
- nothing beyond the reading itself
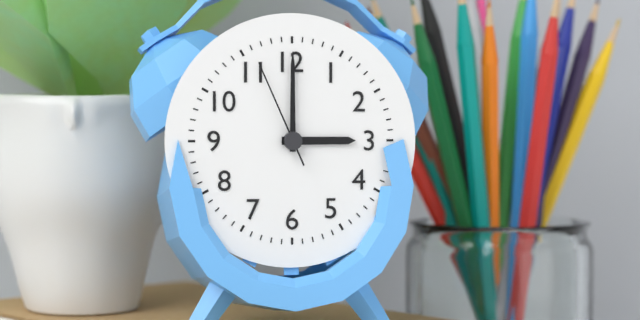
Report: 3:00:56
